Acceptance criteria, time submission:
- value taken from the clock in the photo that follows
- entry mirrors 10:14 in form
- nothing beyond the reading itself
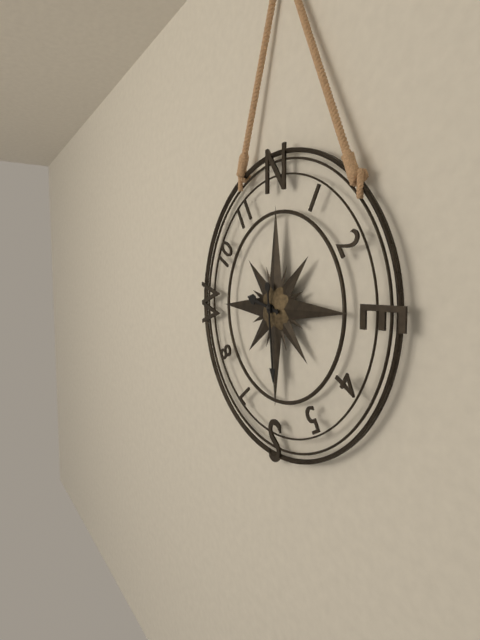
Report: 9:29
